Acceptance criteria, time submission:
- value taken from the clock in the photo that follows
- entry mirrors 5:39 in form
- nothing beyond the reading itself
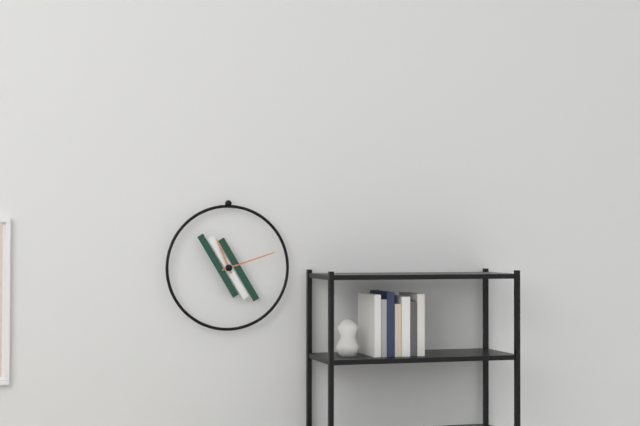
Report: 11:12
